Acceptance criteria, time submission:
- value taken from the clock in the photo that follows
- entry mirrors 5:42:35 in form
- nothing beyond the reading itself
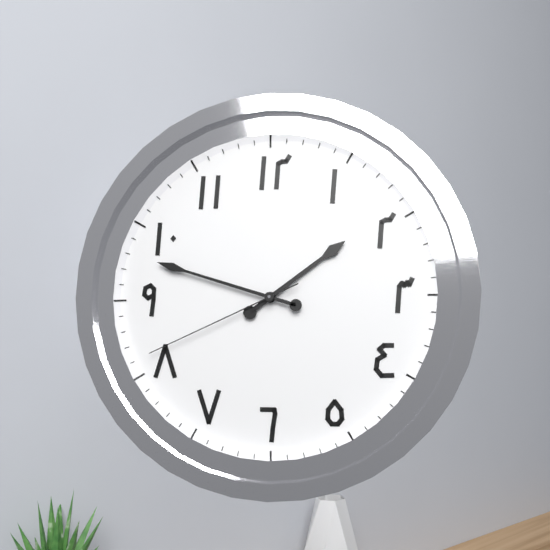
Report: 1:48:41
